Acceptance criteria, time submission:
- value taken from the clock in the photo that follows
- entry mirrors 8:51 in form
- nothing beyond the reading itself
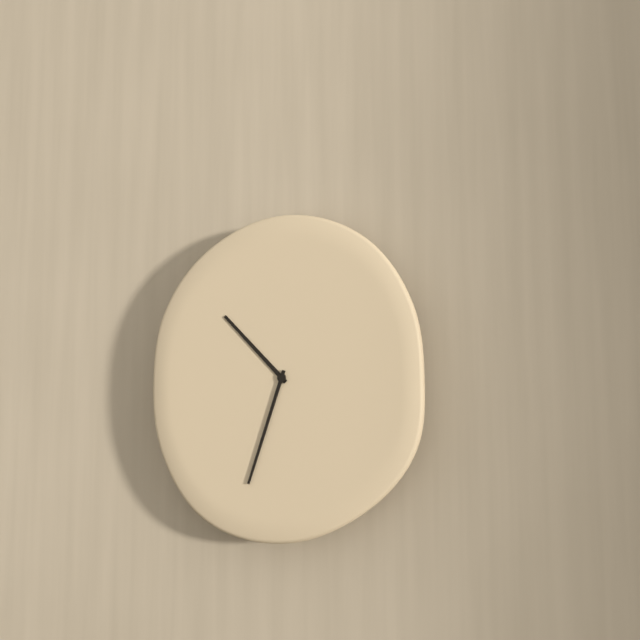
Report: 10:33
